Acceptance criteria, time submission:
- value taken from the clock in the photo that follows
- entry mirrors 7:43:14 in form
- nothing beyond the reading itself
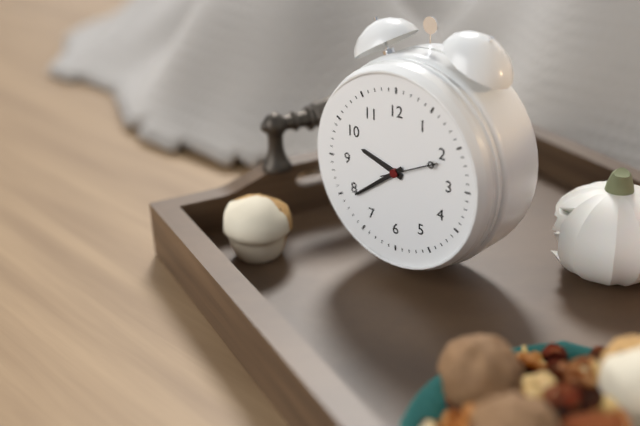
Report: 9:39:11
